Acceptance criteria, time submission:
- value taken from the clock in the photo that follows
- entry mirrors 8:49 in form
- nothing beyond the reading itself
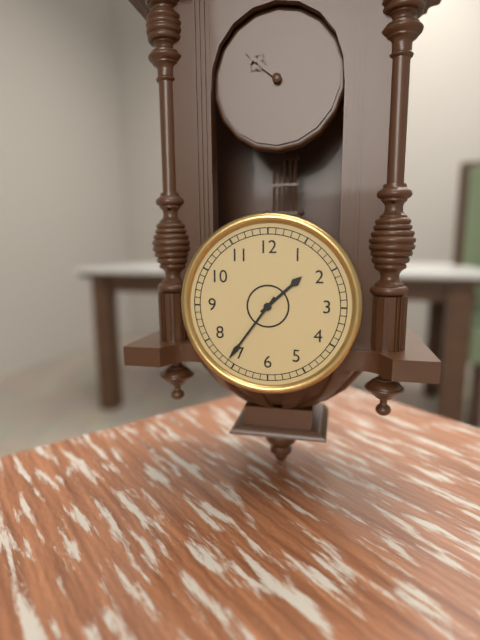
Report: 1:36
